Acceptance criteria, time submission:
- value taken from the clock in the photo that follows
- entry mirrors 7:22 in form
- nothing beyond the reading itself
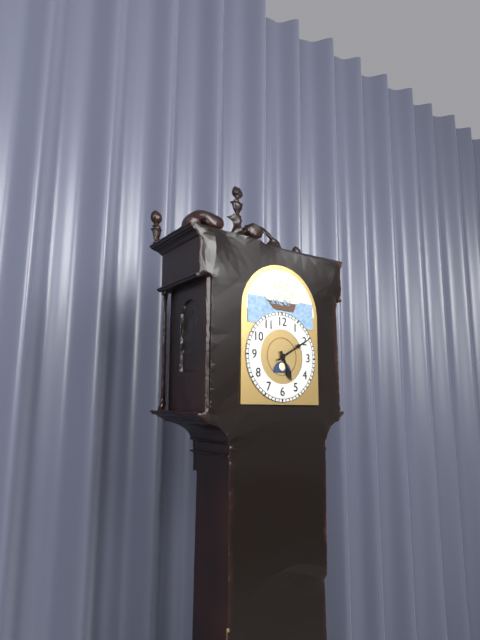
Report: 5:10
